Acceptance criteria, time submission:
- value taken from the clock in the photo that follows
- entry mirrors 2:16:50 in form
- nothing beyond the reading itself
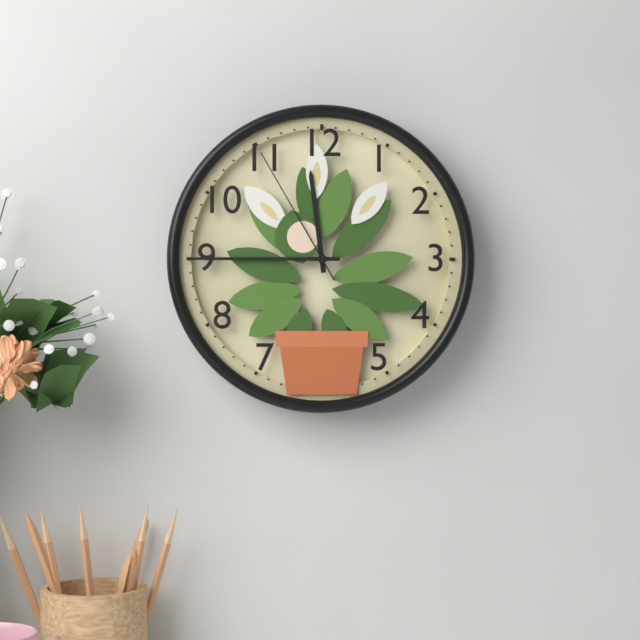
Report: 11:45:55
